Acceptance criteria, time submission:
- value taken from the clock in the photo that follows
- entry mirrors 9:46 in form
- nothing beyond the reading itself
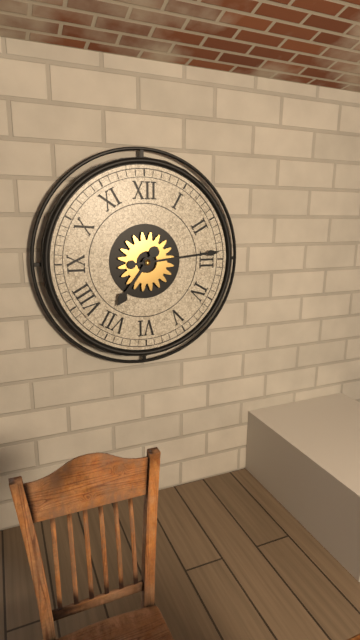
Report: 7:14
